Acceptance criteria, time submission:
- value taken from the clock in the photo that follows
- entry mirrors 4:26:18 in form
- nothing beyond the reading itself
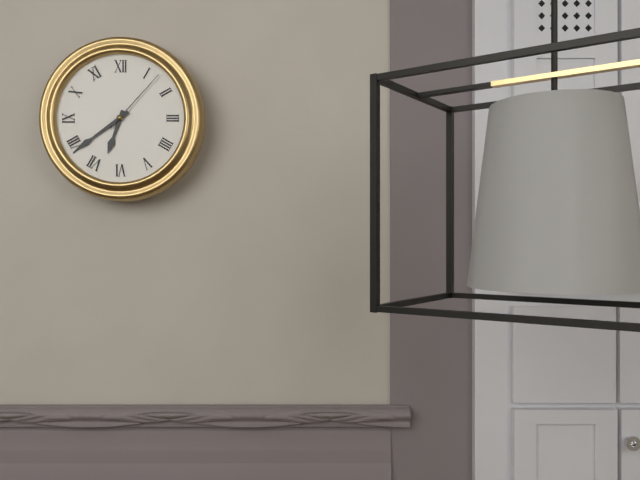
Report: 6:39:07
